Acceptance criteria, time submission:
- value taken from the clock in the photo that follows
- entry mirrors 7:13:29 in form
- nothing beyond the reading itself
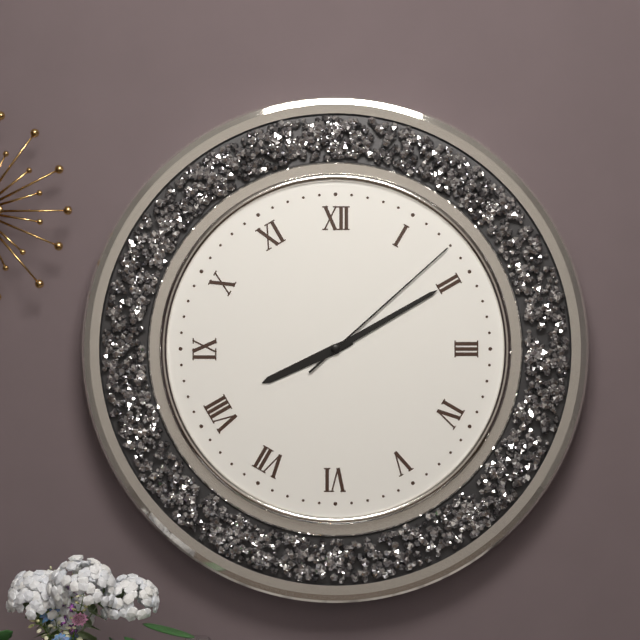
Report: 8:10:08
